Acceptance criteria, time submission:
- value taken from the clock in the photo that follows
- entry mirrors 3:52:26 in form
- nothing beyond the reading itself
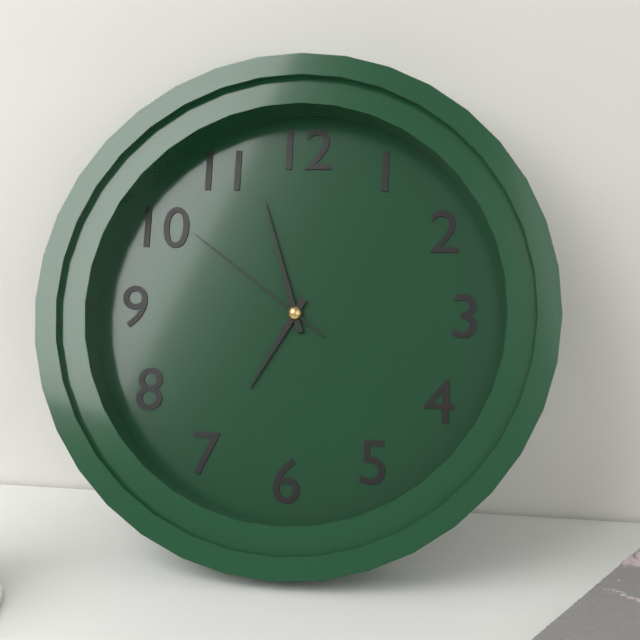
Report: 6:57:51
